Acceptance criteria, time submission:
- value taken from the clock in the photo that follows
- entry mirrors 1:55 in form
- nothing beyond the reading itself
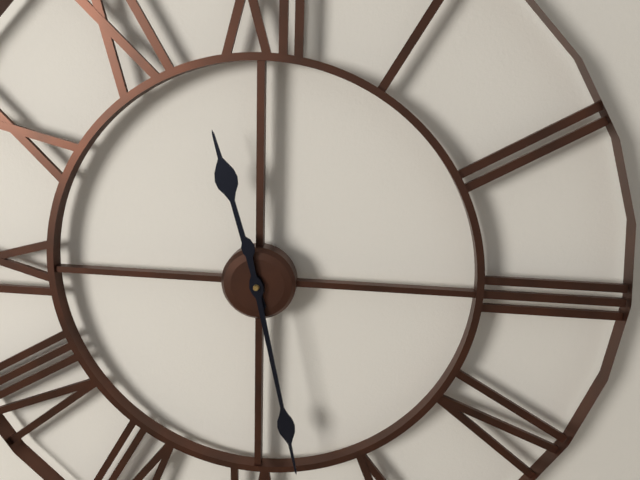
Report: 11:28
